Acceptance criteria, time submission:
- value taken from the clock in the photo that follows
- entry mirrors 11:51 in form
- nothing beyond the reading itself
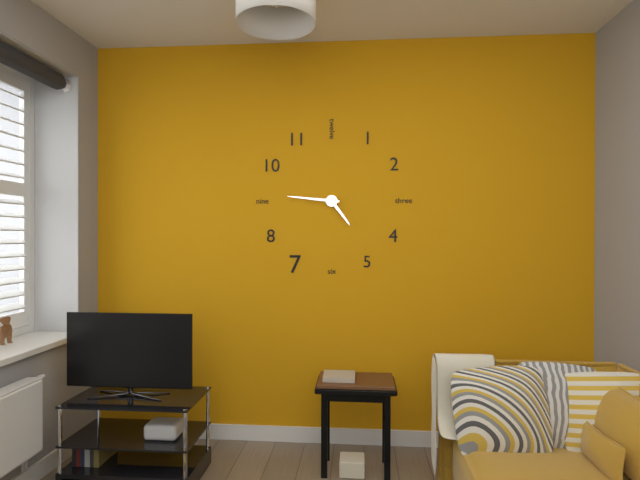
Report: 4:46
